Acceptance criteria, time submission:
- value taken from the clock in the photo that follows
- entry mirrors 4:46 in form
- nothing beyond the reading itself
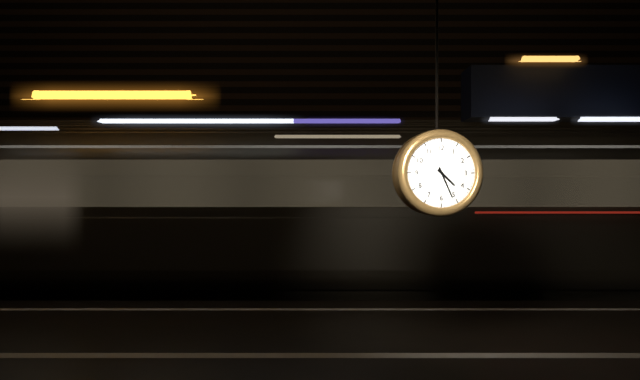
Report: 4:26
